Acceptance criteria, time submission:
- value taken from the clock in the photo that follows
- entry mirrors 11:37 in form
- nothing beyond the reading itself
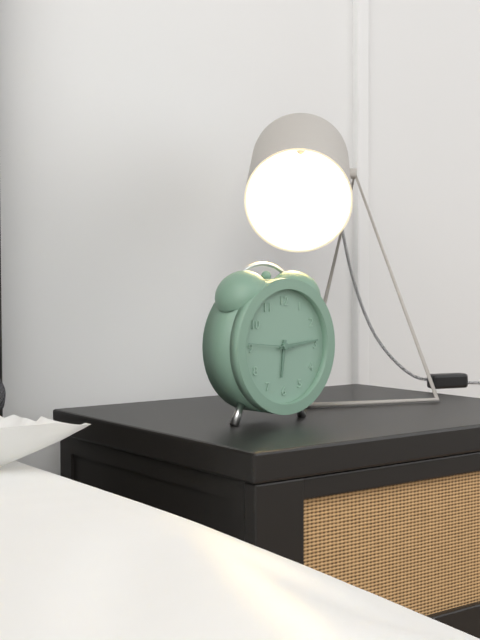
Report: 6:14
